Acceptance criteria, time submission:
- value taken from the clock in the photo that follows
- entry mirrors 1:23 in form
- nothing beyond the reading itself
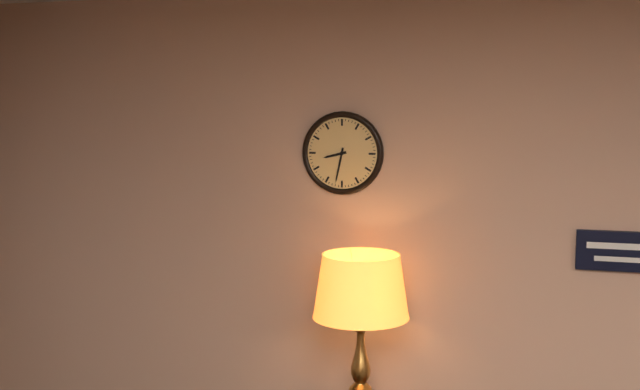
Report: 8:32
